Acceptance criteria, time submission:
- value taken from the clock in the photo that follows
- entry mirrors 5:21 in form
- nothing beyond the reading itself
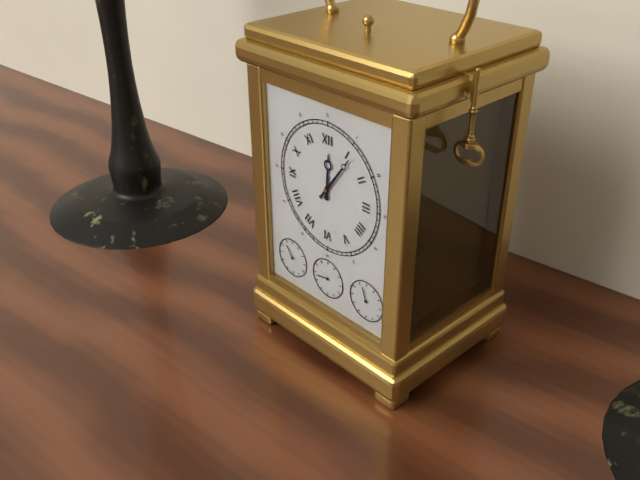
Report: 12:06
